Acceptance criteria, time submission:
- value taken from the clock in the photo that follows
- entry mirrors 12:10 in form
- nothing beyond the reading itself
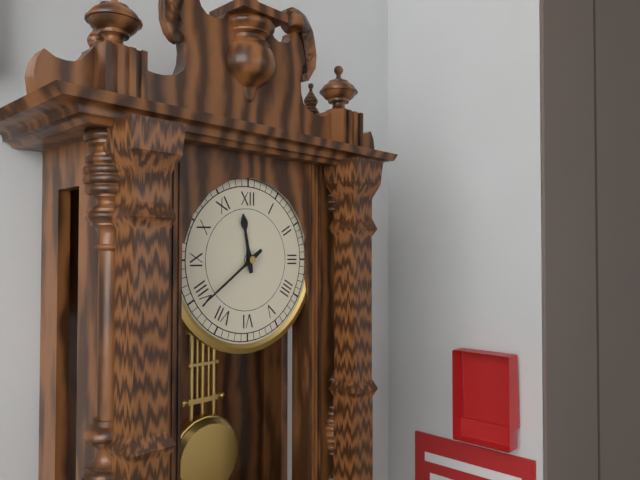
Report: 11:39
